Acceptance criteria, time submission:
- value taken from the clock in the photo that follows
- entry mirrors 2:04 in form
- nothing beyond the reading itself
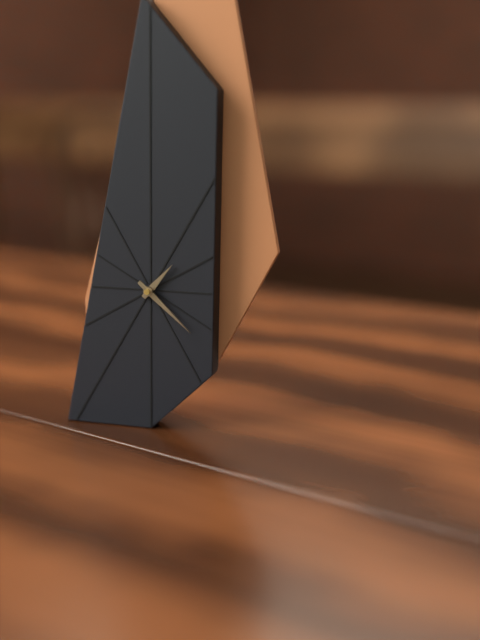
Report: 1:22
